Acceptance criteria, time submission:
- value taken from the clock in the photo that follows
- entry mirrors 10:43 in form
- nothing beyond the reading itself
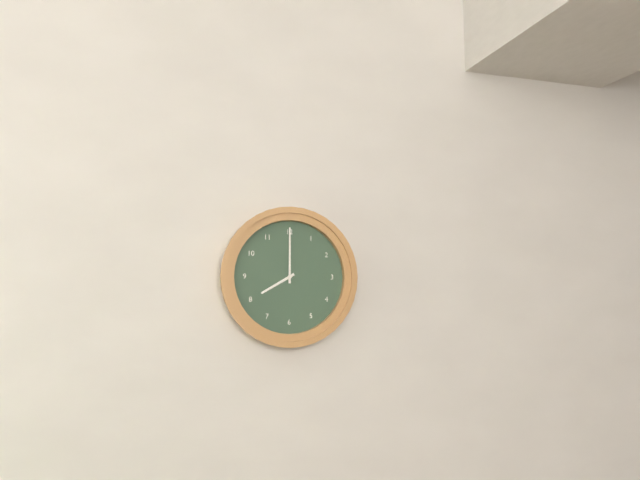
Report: 8:00
